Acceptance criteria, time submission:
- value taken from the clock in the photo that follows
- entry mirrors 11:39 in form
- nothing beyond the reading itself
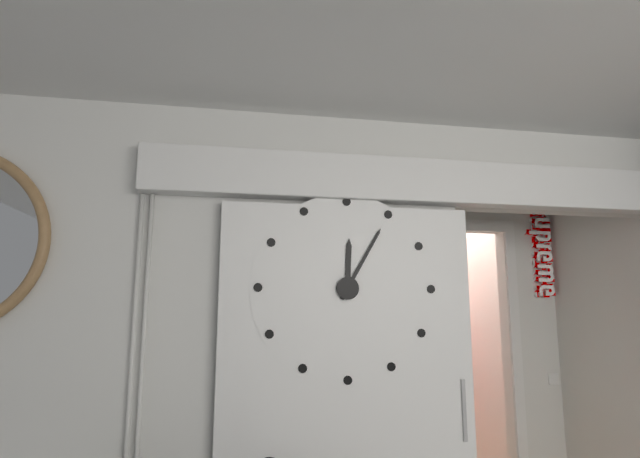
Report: 12:05
